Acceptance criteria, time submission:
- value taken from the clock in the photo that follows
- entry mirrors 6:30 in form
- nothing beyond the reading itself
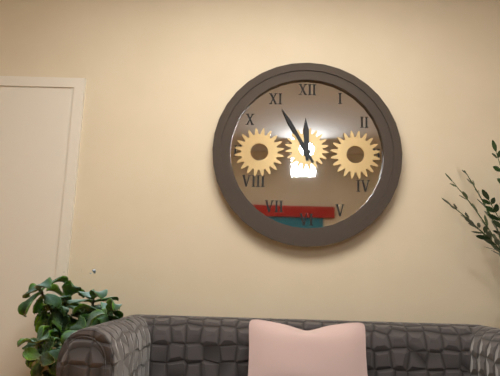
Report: 11:55
